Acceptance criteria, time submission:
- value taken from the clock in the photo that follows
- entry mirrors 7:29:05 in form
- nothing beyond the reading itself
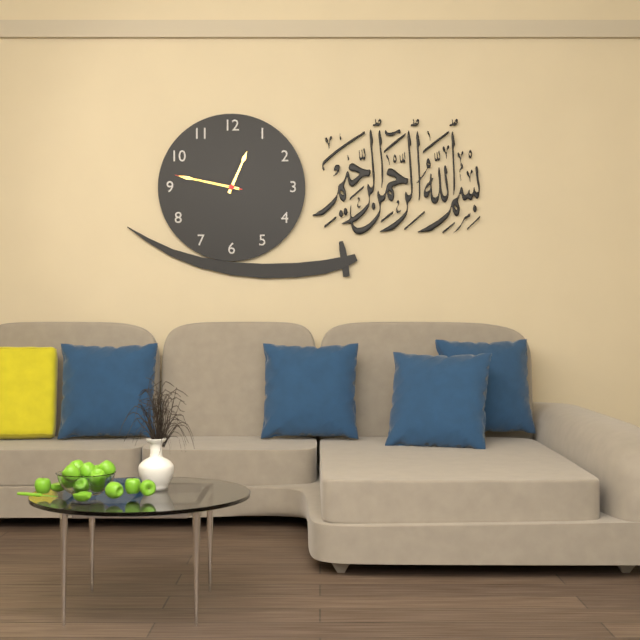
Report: 12:47:47
